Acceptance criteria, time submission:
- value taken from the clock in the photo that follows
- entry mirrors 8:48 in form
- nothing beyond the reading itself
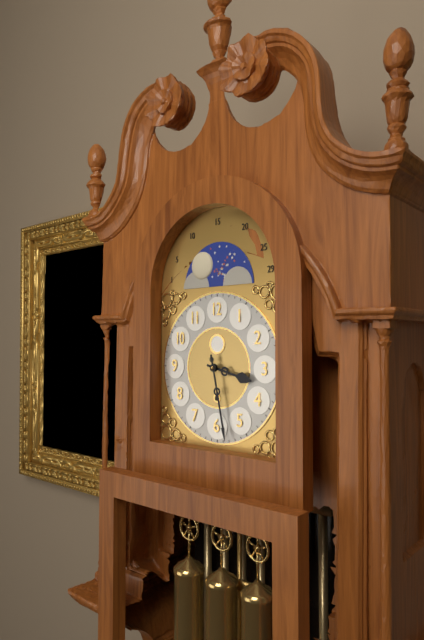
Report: 3:28
